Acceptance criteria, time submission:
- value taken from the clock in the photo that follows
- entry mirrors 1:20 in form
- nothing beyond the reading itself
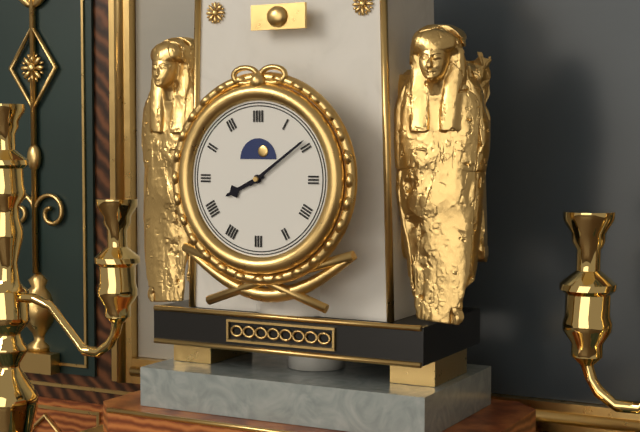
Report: 8:09
